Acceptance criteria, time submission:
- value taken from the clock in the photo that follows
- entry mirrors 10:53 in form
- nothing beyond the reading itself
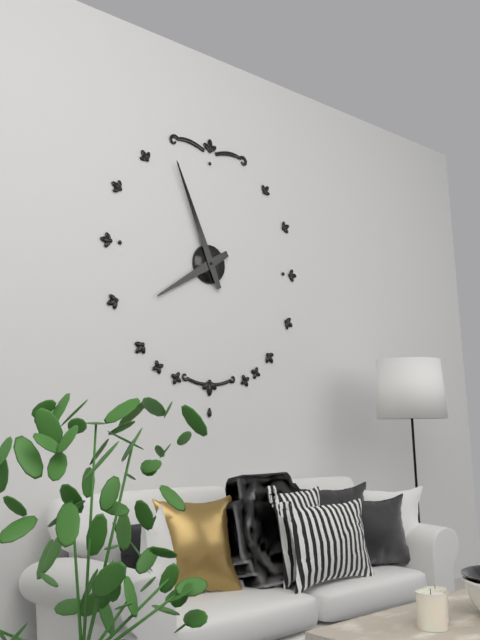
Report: 7:56
